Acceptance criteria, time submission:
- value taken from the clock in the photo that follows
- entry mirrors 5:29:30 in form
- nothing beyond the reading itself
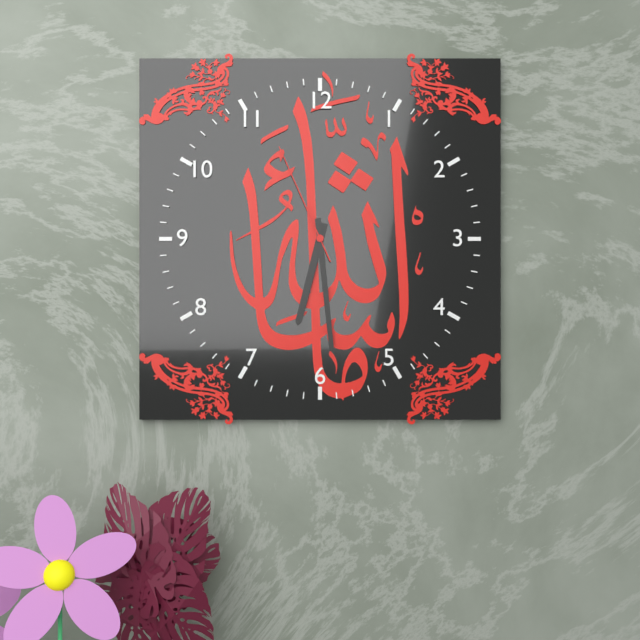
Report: 6:29:56
